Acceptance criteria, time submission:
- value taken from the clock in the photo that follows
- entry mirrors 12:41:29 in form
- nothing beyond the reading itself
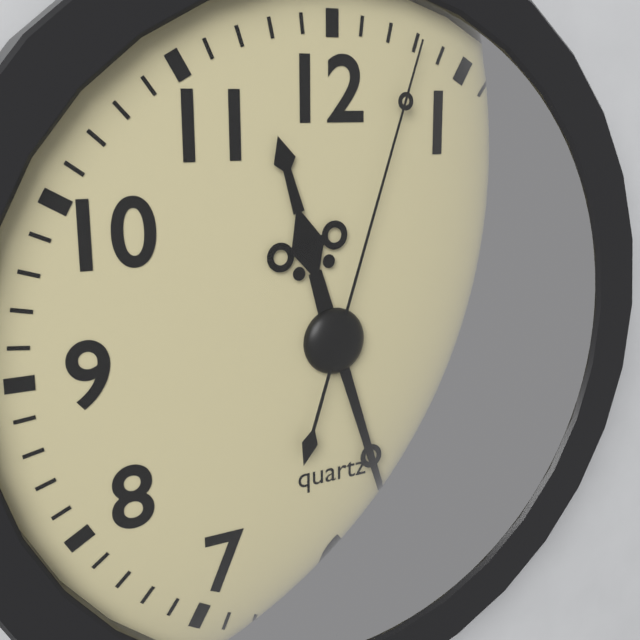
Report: 11:27:03
